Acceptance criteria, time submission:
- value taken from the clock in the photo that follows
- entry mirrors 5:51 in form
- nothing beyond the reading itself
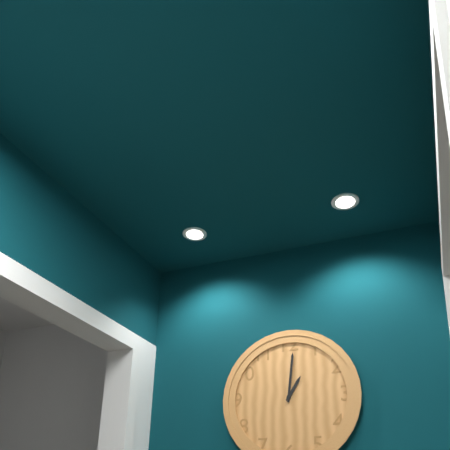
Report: 1:01
